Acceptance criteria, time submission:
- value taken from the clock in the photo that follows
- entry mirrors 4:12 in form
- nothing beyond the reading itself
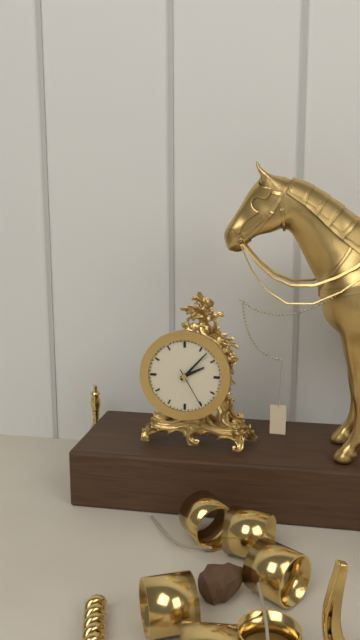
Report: 2:07
